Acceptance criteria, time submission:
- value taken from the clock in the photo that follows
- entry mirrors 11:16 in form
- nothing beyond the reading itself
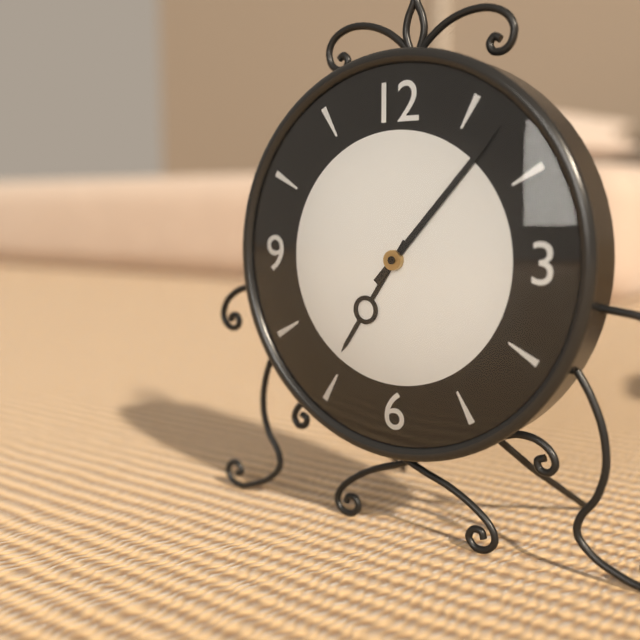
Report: 7:07
